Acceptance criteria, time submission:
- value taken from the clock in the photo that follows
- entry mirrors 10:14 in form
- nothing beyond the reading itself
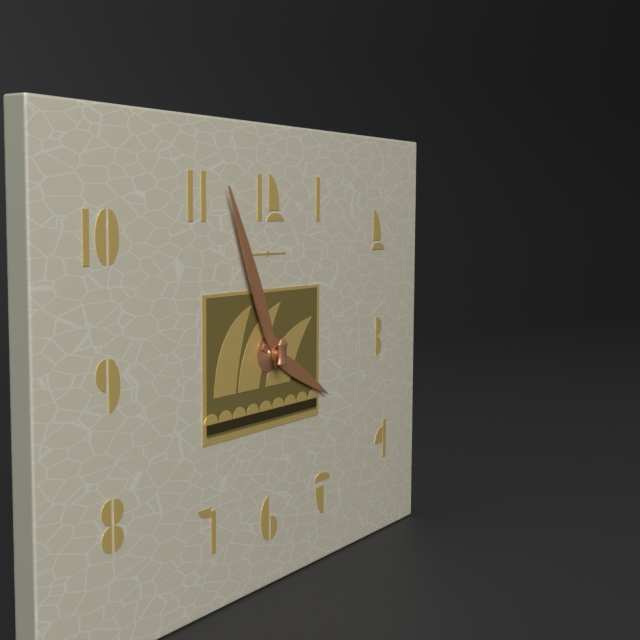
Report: 3:56
